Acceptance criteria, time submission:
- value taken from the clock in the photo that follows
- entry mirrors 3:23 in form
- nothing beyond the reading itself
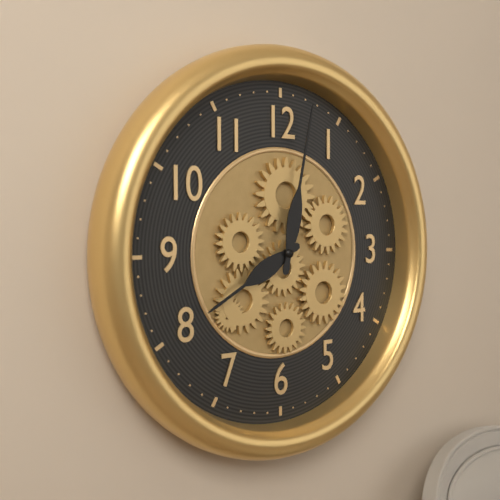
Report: 8:02
